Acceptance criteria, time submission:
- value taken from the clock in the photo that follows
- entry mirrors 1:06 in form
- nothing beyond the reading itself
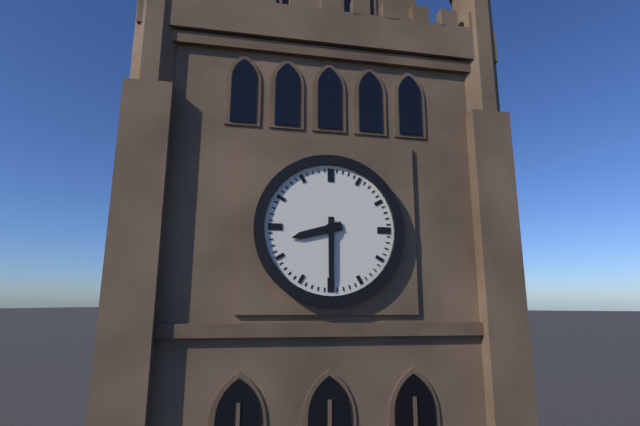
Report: 8:30
